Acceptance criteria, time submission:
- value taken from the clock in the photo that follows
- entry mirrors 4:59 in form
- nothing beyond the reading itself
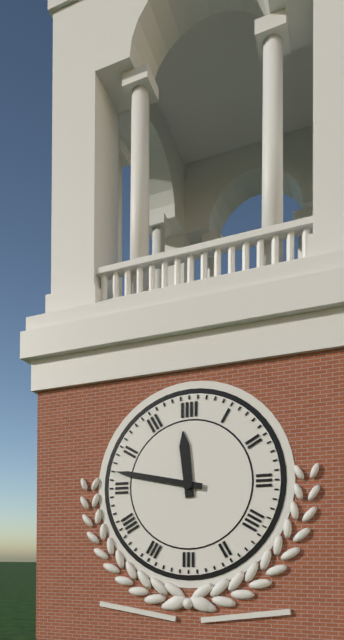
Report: 11:47
